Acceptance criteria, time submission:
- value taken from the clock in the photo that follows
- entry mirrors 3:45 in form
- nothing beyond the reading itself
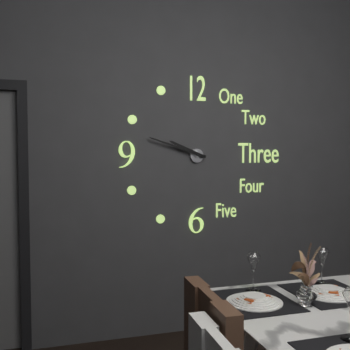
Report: 9:48
